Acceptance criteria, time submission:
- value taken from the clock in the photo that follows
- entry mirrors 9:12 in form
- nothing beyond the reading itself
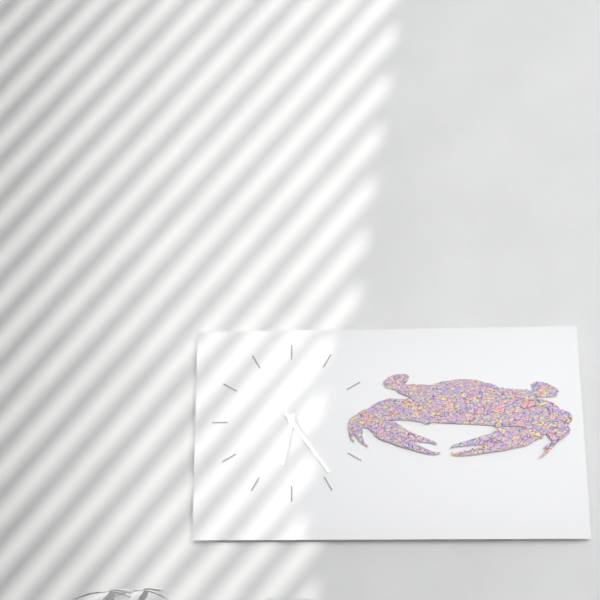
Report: 6:24
